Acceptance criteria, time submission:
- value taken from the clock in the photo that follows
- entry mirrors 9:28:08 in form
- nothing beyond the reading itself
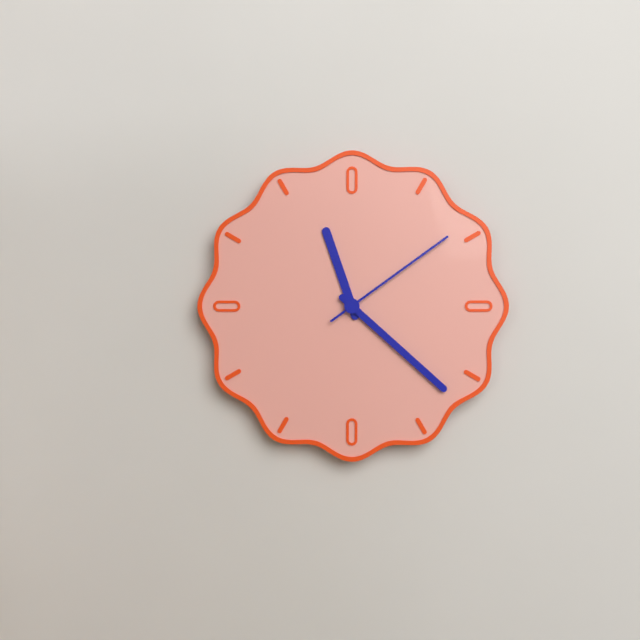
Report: 11:22:09
